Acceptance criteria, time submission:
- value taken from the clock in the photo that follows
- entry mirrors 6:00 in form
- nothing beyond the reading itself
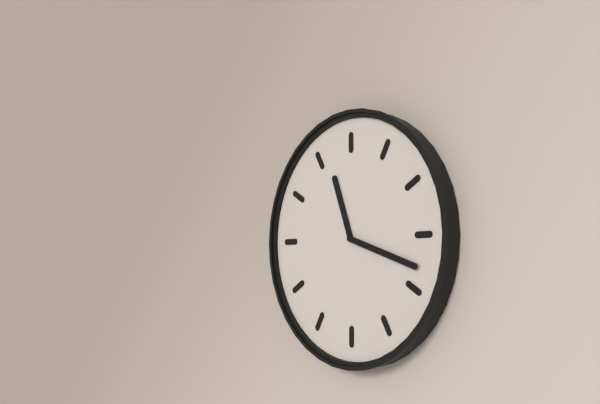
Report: 11:18
